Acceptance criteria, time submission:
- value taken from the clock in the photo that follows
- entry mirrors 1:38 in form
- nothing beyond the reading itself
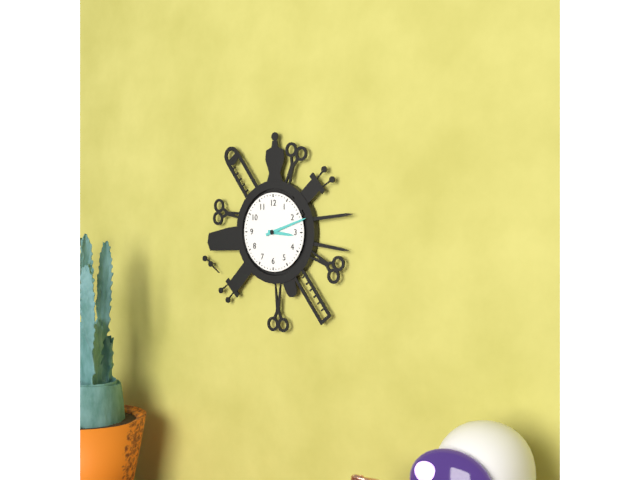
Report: 3:12
